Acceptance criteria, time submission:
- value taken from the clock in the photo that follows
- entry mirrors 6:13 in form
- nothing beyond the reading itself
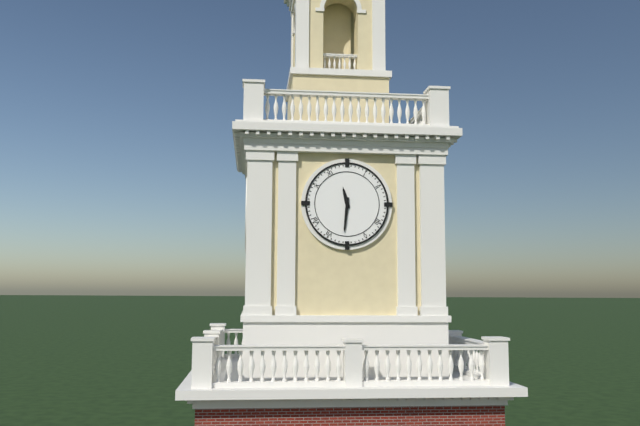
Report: 11:31
